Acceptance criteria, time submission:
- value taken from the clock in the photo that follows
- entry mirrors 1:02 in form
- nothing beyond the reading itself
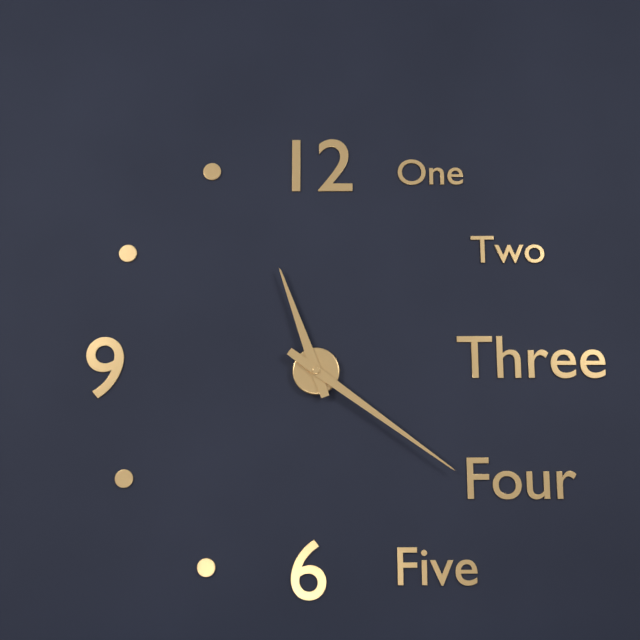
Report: 11:21
